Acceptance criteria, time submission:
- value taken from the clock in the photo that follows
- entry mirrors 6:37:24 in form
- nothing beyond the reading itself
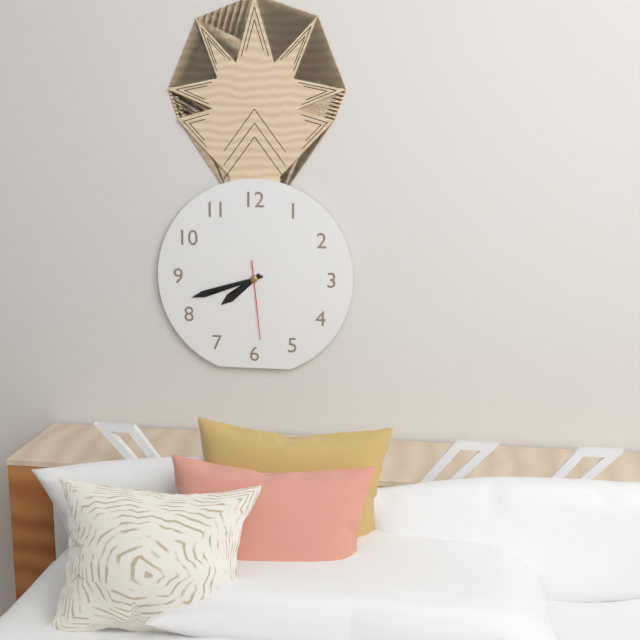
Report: 7:42:29
